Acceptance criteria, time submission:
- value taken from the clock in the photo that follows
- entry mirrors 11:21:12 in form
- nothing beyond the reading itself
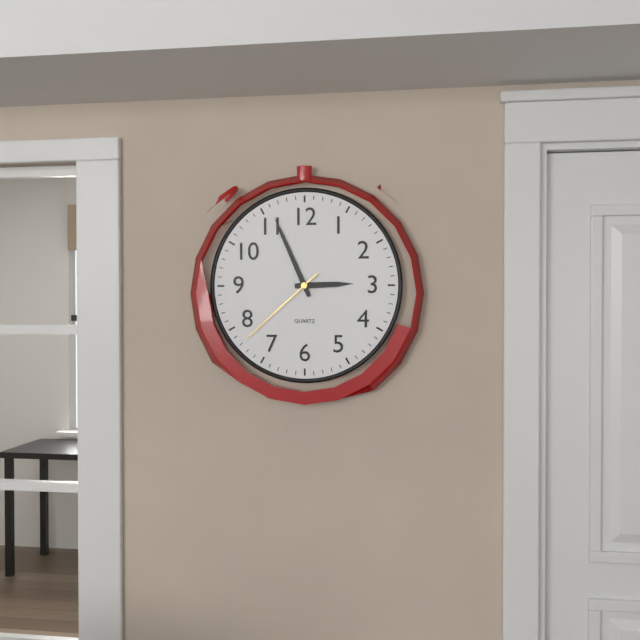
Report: 2:56:38
